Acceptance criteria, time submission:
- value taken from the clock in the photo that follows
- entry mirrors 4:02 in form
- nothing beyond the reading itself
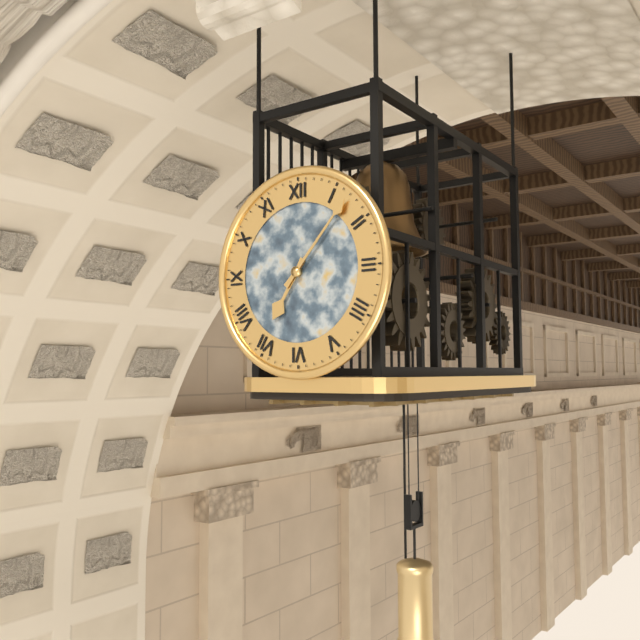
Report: 7:07
